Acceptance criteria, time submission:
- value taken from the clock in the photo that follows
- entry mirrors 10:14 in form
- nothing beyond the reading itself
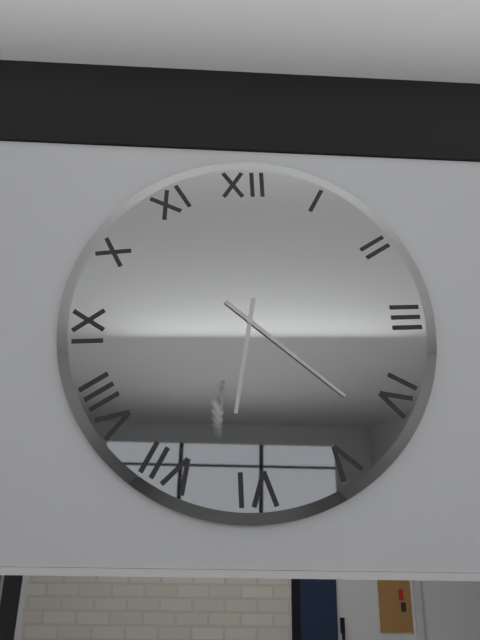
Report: 6:22
